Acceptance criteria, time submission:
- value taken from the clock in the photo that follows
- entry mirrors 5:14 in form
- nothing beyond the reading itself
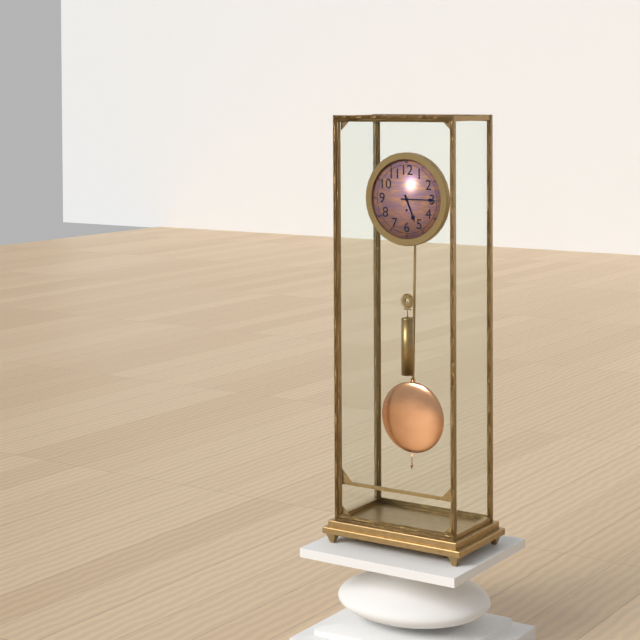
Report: 5:15
